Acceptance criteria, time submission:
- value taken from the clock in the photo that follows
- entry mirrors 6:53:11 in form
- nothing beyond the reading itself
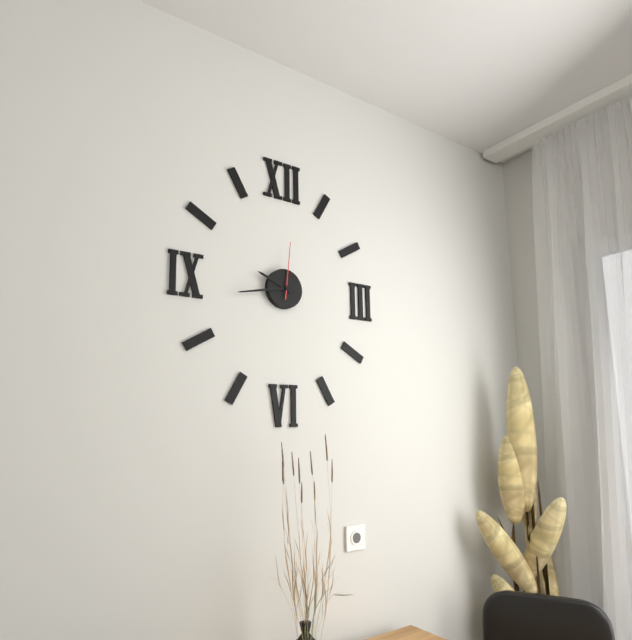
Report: 9:43:01
